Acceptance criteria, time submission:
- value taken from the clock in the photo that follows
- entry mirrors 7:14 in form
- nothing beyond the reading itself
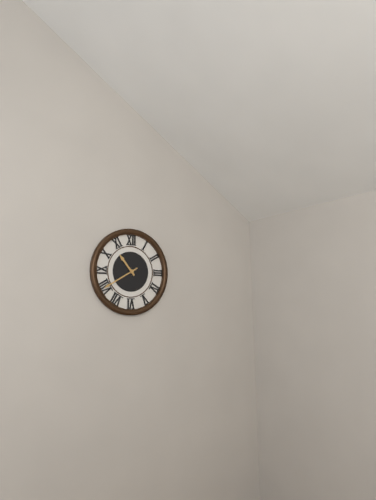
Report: 10:40
